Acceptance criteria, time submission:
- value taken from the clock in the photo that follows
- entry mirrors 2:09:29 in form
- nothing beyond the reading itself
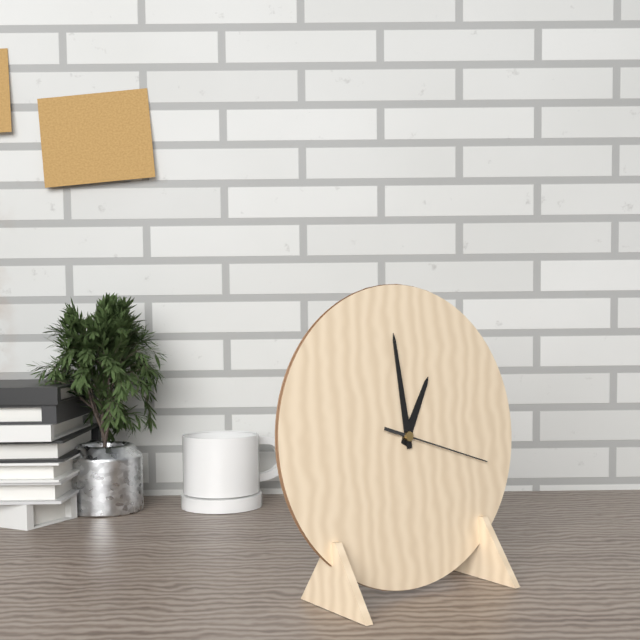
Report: 12:59:18
